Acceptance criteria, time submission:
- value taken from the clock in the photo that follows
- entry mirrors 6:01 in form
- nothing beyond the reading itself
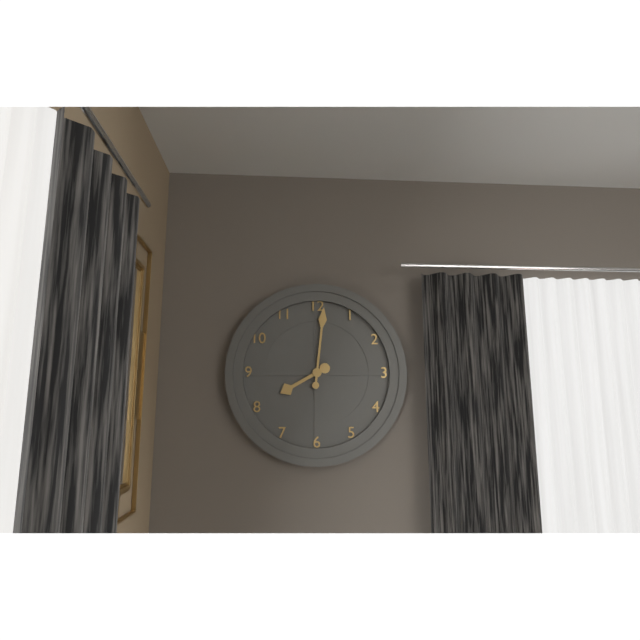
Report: 8:01
